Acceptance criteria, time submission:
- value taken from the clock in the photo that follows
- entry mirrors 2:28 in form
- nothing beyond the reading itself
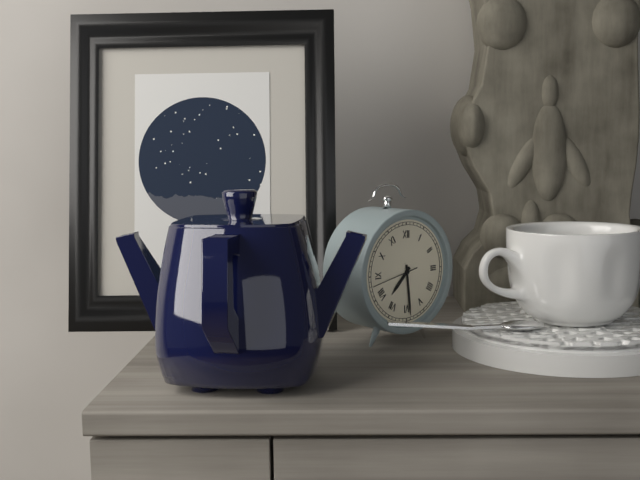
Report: 7:29
